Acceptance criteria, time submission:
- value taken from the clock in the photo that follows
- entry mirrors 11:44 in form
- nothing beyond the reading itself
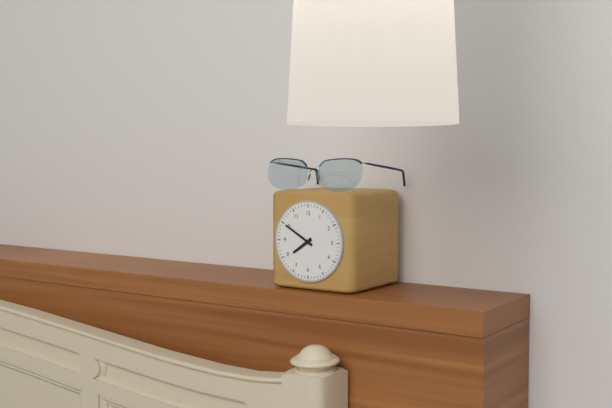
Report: 7:50
